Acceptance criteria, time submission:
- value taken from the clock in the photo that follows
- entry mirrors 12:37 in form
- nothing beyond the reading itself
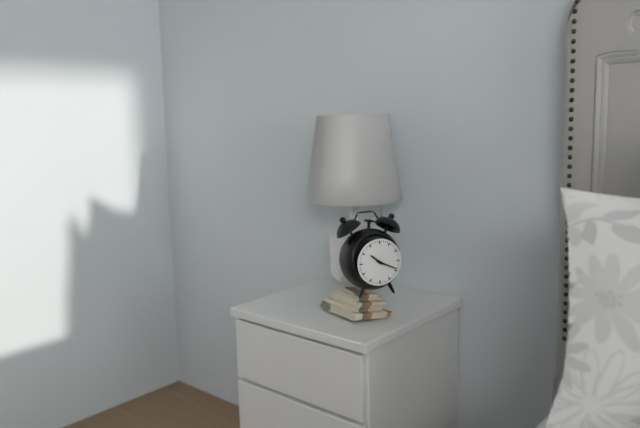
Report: 10:19
